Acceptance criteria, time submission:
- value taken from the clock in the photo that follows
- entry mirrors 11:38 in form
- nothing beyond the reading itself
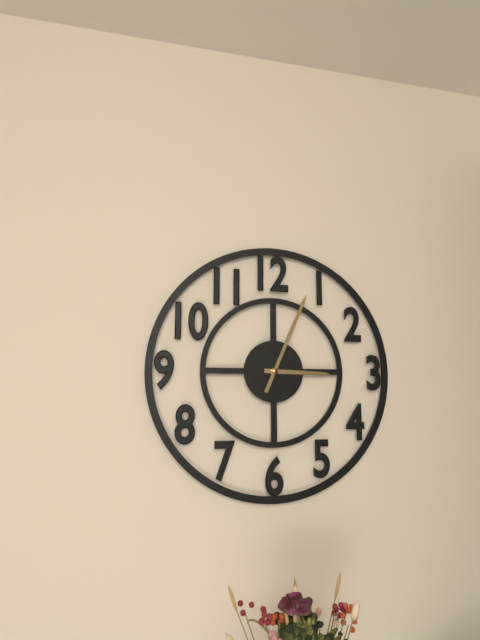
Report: 3:04
